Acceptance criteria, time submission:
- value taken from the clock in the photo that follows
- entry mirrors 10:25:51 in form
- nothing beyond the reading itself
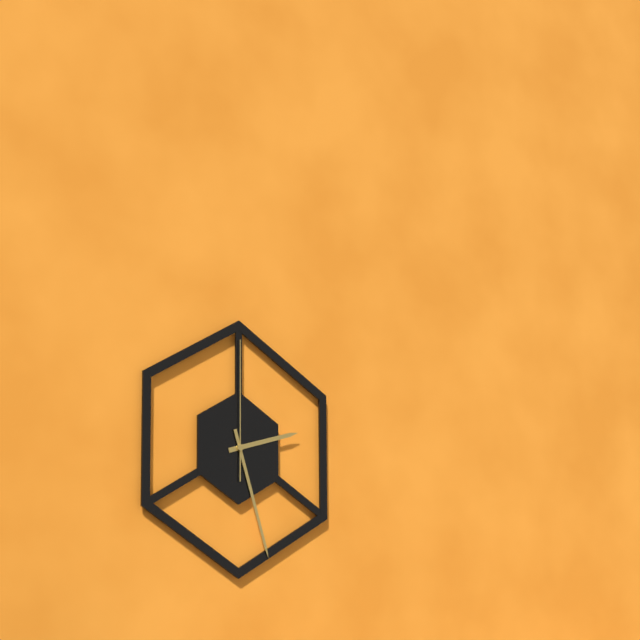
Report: 2:27:00
